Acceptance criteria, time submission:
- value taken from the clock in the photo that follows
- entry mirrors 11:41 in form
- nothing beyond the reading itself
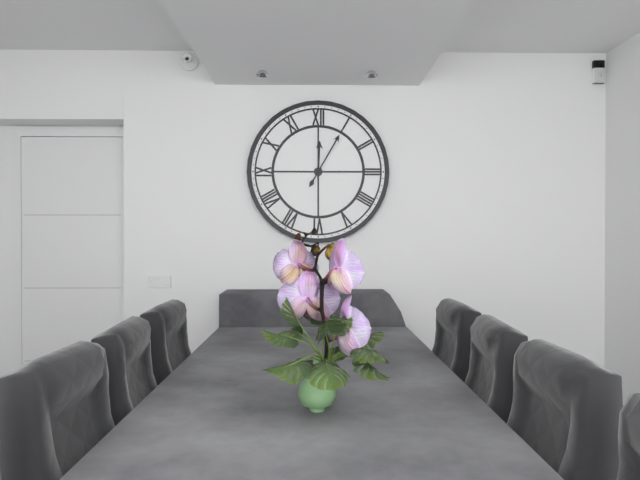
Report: 12:05
